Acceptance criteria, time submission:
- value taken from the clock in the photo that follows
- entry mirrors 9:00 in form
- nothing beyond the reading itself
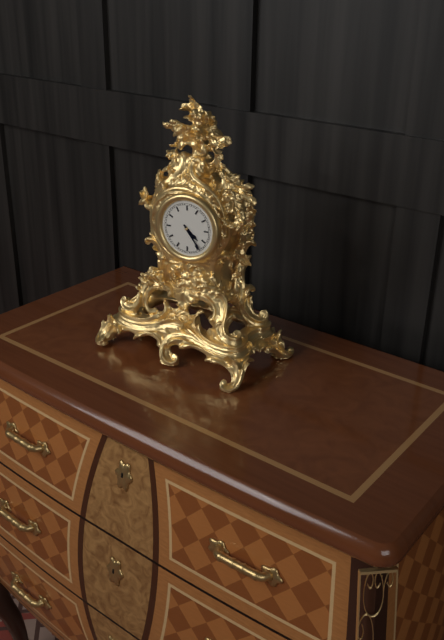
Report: 4:24
